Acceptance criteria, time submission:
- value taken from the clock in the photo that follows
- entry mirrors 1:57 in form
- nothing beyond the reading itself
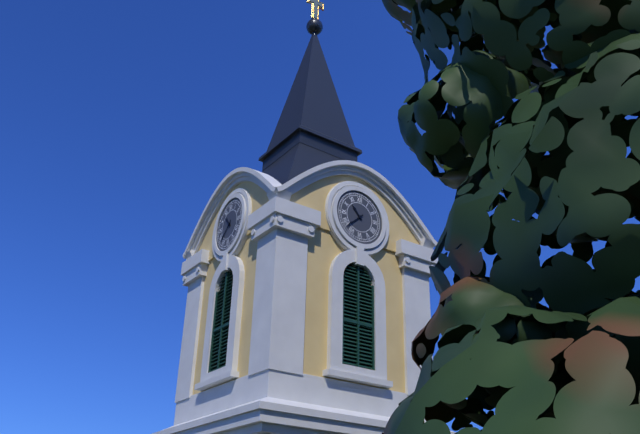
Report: 10:38
